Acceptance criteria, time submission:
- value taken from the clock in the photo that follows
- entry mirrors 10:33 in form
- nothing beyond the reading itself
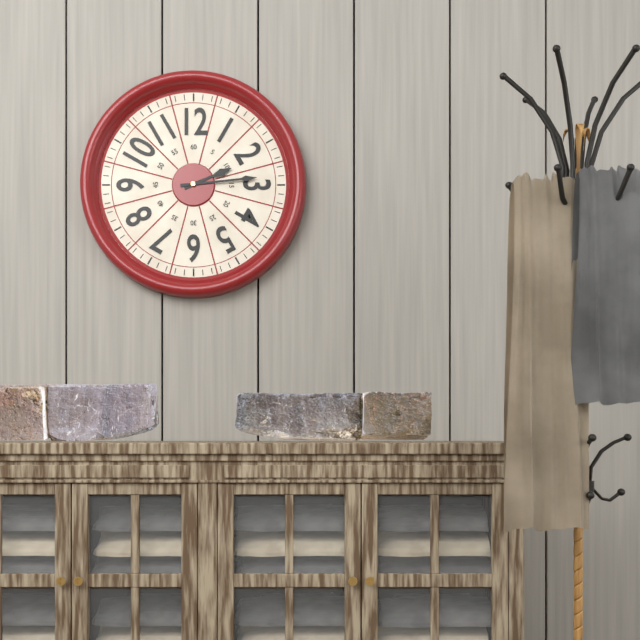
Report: 2:14
